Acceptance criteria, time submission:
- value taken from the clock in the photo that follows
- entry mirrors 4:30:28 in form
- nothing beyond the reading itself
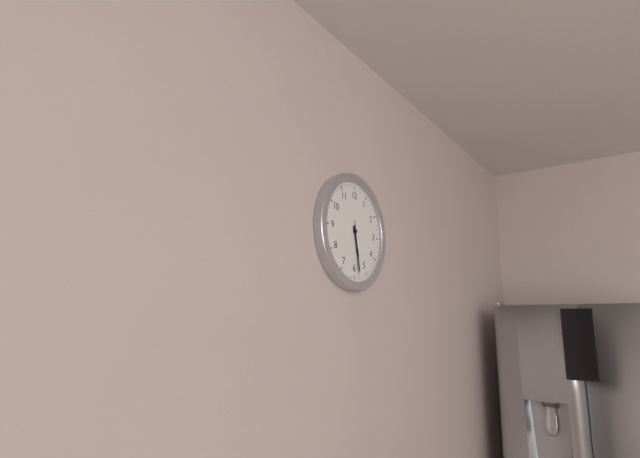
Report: 5:28:29
